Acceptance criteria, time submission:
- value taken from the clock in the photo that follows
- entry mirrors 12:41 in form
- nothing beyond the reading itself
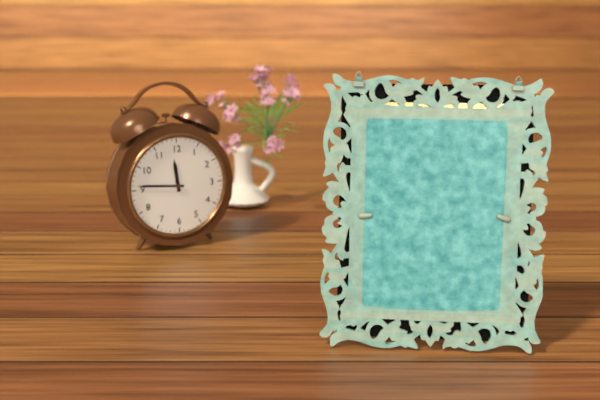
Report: 11:46
